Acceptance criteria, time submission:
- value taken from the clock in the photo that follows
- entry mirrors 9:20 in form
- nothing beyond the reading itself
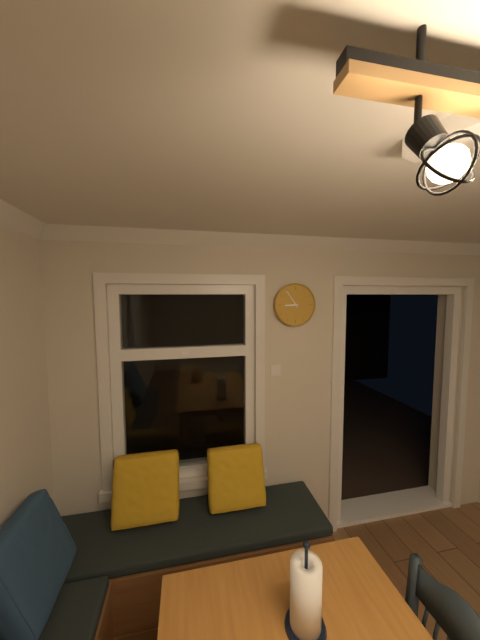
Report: 8:54
